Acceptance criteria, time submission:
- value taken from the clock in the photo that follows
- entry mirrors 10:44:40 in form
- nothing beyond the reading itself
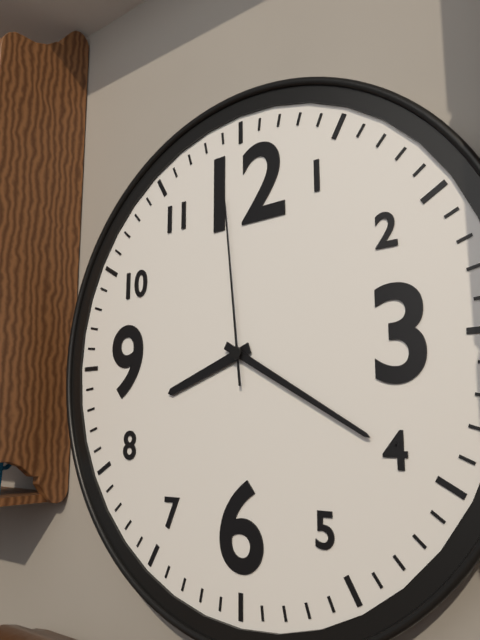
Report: 8:20:59
